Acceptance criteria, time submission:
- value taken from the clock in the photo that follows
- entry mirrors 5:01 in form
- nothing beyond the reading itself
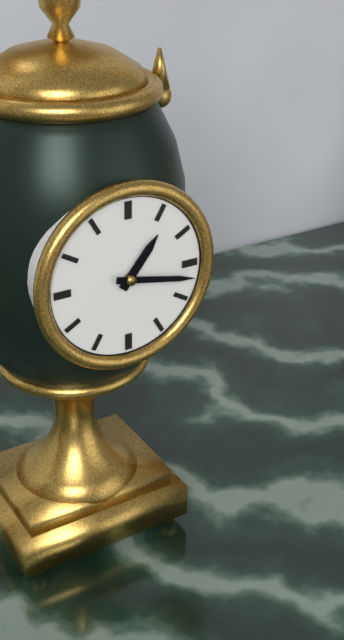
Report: 1:17
